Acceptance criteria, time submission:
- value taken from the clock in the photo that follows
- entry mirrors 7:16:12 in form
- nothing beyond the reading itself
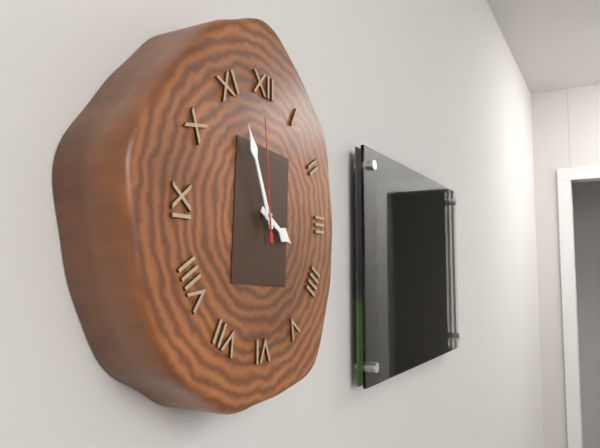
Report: 3:56:59
